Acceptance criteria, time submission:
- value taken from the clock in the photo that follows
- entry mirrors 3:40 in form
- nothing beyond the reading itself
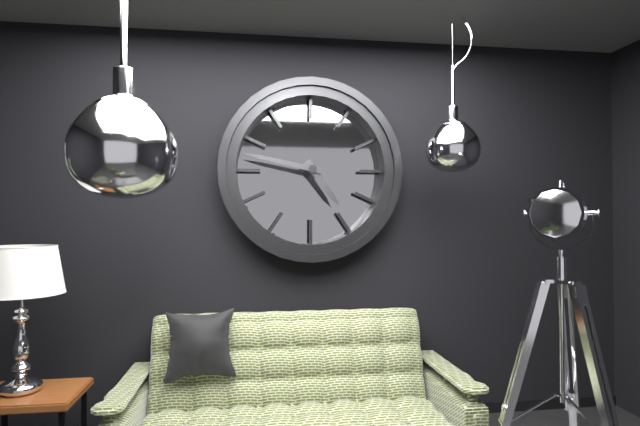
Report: 4:47
